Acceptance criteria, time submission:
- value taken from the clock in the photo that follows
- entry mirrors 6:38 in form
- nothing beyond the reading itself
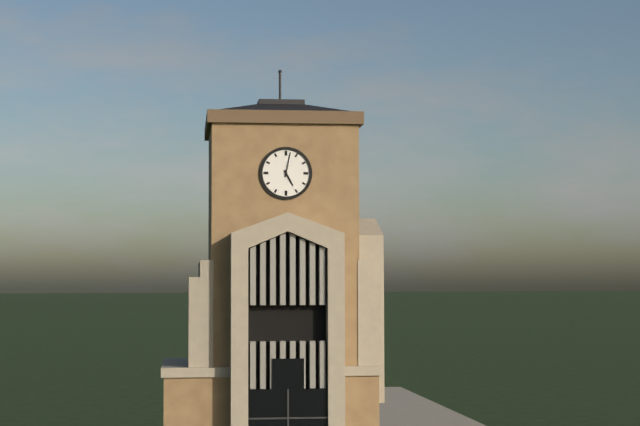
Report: 5:02
